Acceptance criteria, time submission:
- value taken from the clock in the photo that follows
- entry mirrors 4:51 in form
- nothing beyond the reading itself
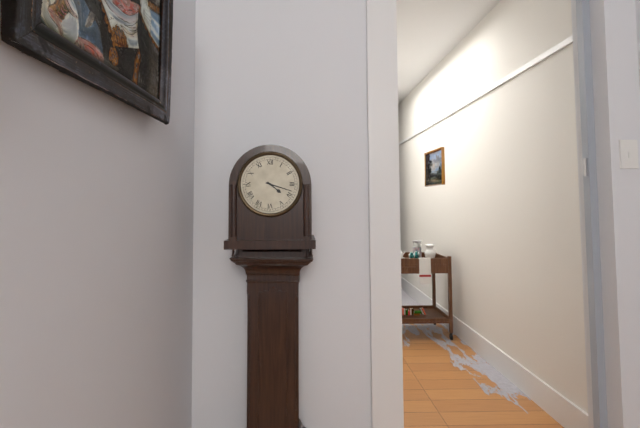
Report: 4:18
